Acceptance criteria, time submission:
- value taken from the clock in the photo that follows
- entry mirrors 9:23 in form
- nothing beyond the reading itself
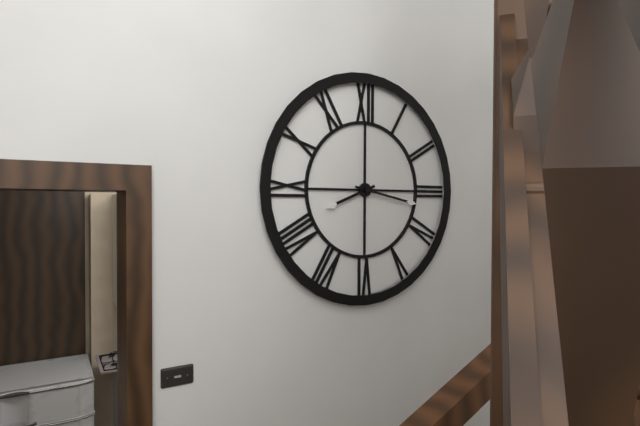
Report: 8:17
